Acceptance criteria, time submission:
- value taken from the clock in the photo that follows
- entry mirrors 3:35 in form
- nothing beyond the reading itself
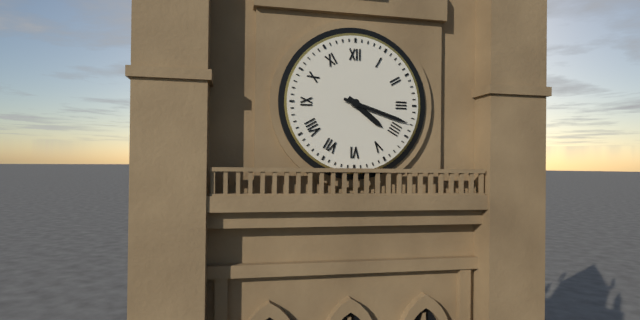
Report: 4:18
